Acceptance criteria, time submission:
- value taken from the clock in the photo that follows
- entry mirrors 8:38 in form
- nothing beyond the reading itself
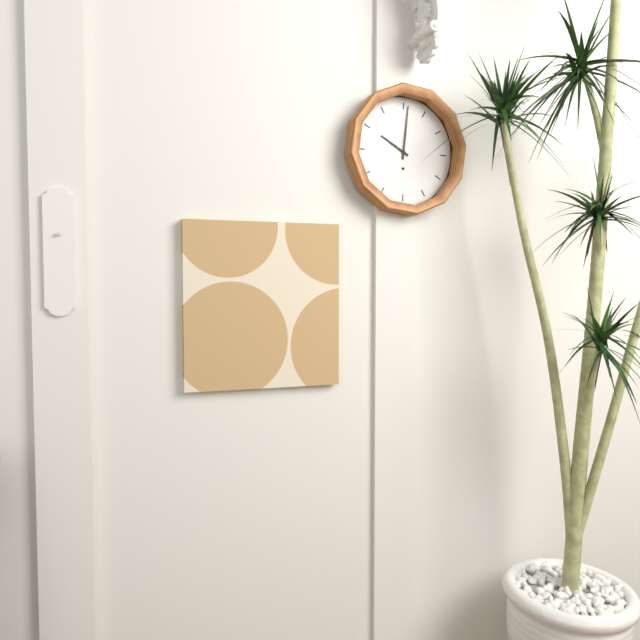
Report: 10:01
